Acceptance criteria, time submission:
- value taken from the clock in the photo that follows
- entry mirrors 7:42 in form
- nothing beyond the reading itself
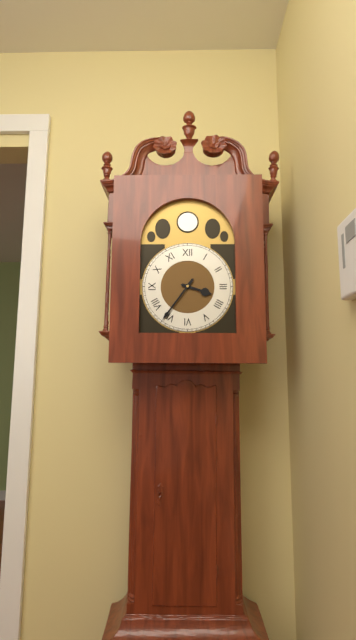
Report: 3:36
